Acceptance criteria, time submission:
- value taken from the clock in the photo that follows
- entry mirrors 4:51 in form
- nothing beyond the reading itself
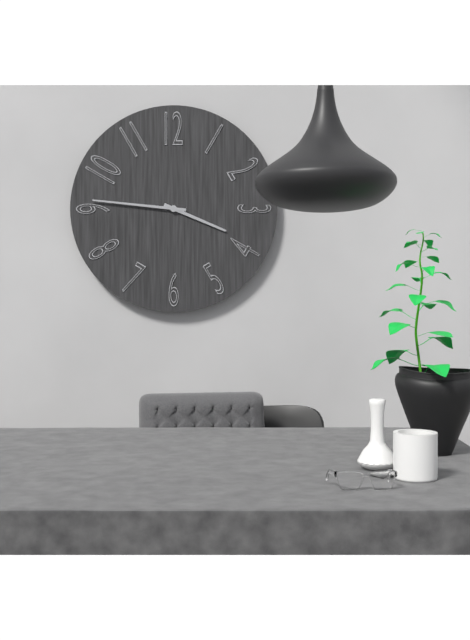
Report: 3:46
